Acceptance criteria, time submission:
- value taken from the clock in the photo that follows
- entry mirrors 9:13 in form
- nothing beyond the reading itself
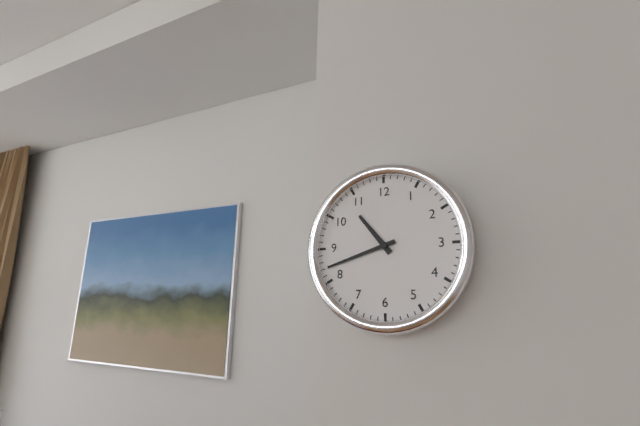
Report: 10:42
